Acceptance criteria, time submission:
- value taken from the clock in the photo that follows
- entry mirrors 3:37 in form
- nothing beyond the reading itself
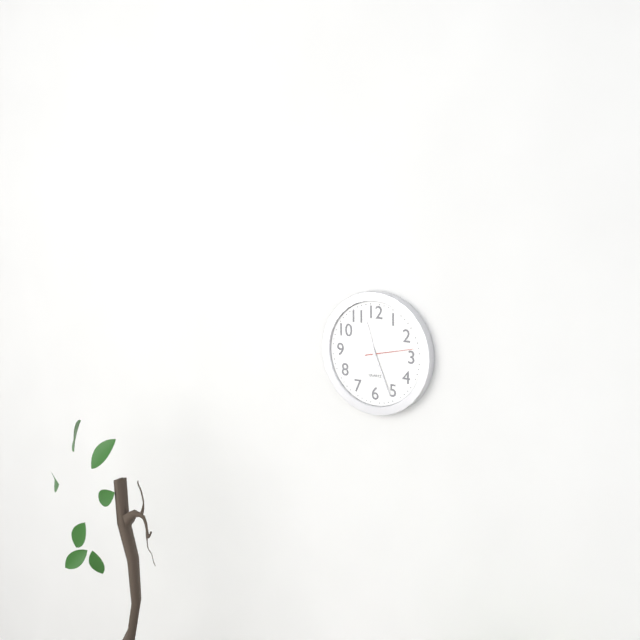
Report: 11:26
